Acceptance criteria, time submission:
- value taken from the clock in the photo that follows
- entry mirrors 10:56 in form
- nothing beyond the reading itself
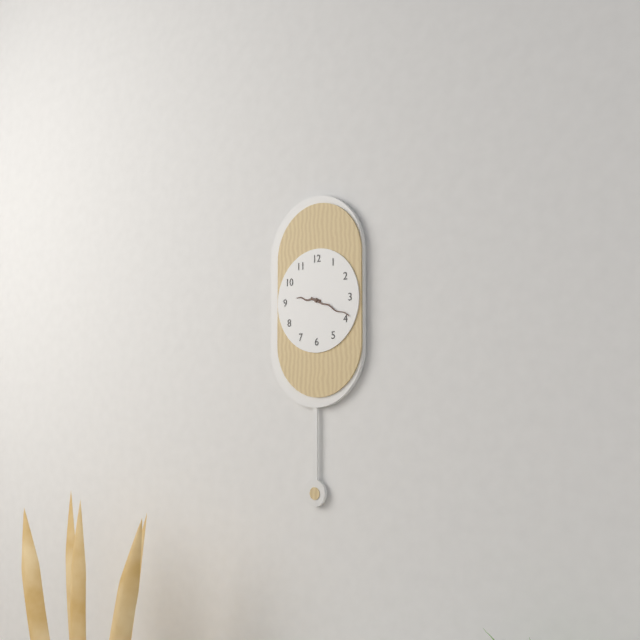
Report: 9:19
